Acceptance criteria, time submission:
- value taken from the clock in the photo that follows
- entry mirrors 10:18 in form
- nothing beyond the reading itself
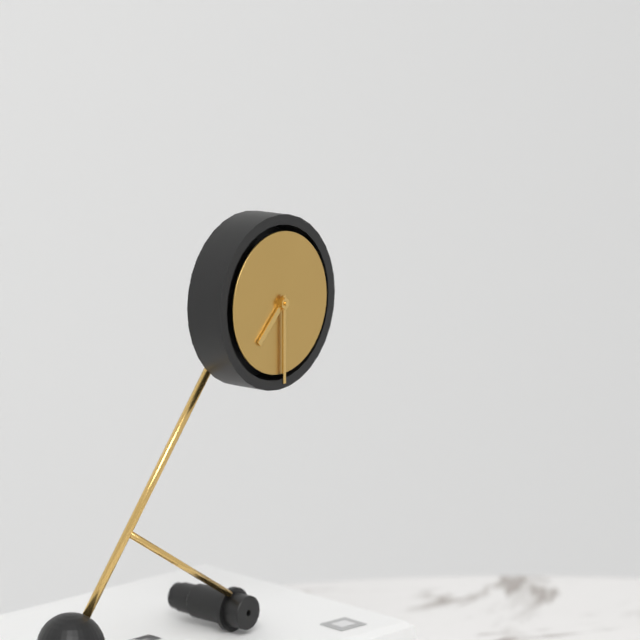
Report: 7:30
